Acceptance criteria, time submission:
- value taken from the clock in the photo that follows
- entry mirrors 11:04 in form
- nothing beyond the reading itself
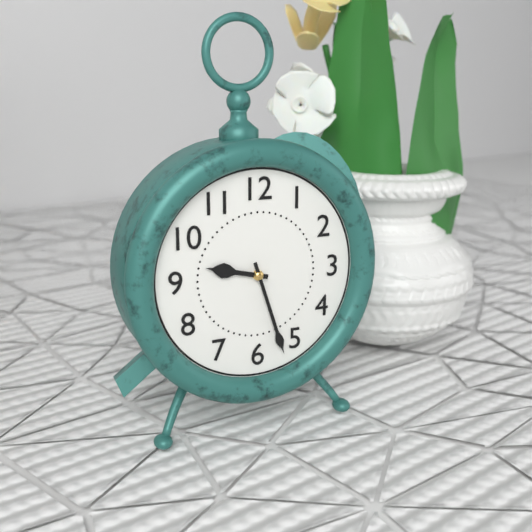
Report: 9:27
